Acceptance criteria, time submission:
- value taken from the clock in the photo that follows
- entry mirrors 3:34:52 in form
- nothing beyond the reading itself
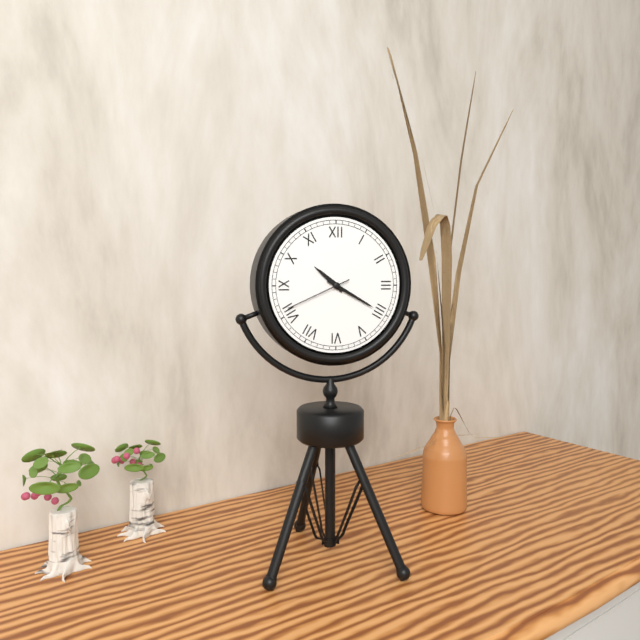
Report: 10:20:41
